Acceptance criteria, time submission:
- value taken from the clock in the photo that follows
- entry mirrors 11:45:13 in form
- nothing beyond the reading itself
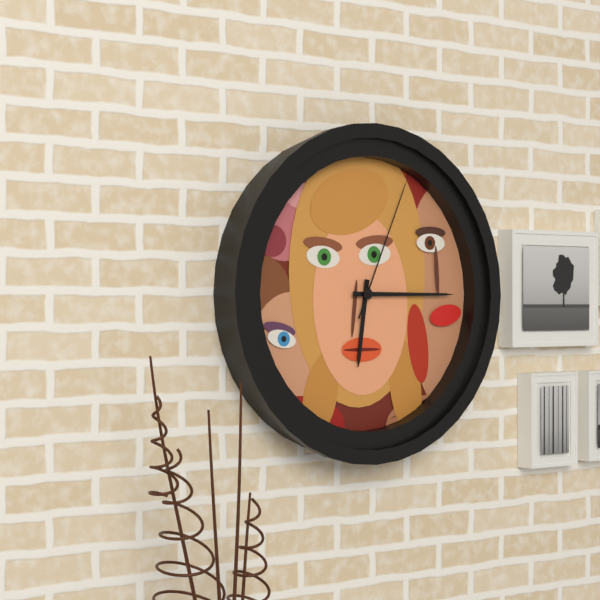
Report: 6:15:04
